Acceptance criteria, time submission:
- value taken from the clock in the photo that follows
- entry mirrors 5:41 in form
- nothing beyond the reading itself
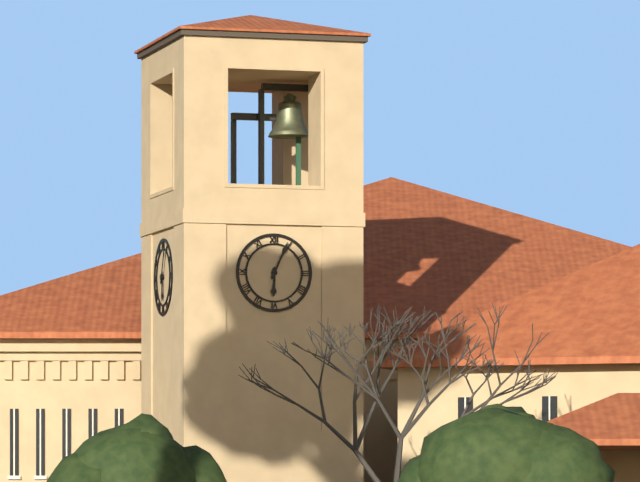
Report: 6:04
